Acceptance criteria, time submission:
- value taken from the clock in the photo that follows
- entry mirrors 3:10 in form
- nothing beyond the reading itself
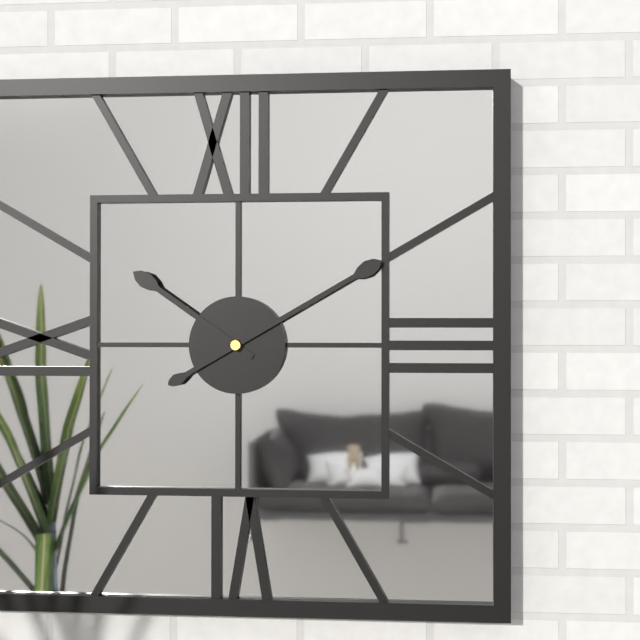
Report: 10:10
